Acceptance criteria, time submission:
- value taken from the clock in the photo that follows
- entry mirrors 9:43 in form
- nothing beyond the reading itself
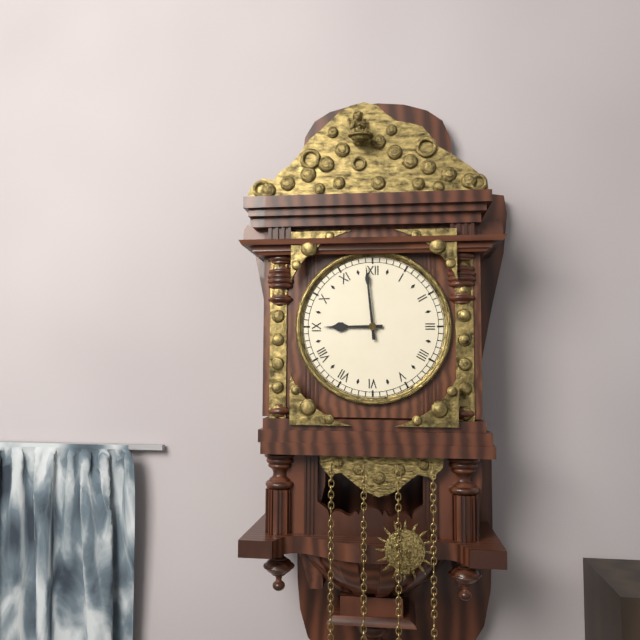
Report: 8:59
